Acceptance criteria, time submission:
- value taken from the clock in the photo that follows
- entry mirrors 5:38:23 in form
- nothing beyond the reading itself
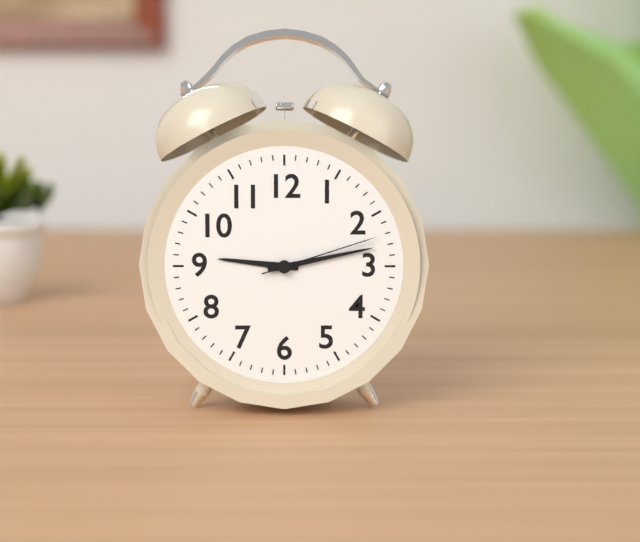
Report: 9:13:12
